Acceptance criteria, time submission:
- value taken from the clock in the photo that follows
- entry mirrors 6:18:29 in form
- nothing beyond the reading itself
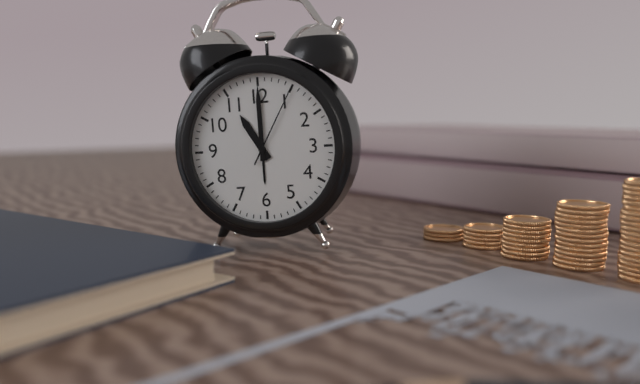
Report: 11:00:05
